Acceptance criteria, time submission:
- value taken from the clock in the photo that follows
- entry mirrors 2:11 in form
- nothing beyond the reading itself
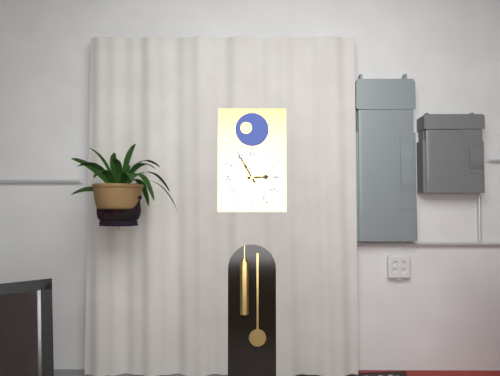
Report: 2:55
